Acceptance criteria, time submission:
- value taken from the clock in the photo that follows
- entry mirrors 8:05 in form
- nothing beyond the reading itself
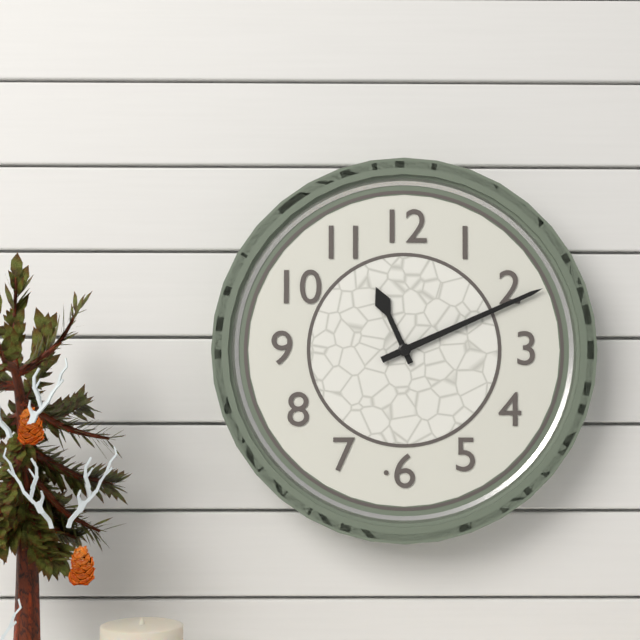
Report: 11:11
